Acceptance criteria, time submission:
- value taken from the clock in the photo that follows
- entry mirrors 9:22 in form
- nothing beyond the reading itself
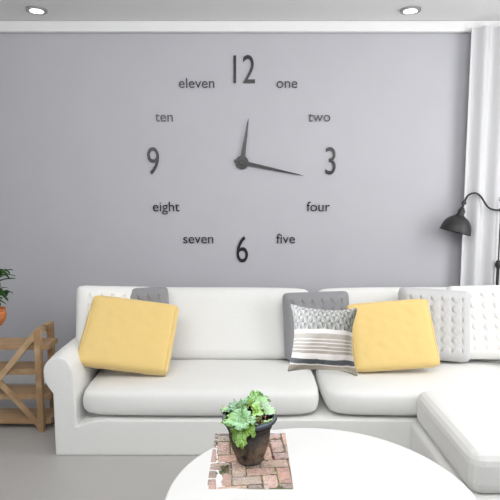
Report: 12:17
